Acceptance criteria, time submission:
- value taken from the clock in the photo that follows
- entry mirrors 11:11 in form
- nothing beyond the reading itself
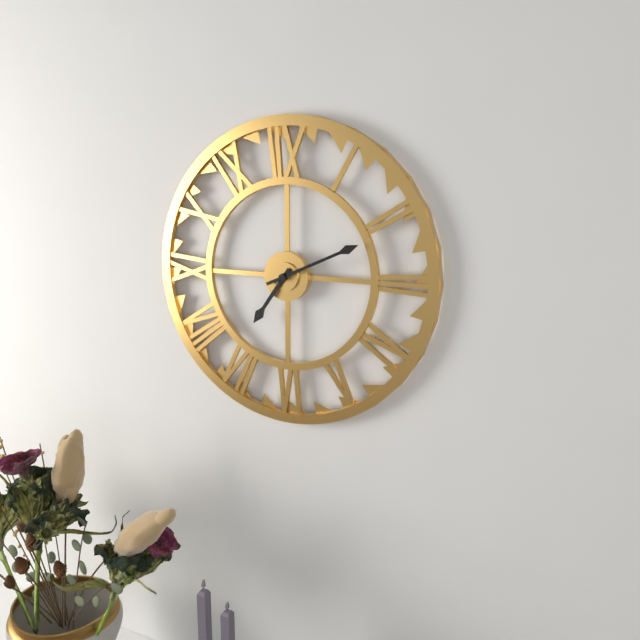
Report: 7:11
